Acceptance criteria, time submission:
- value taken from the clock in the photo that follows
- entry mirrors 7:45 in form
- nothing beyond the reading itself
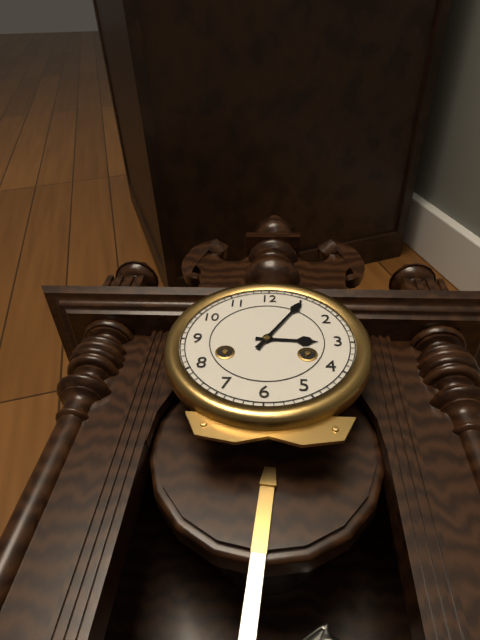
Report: 3:05
